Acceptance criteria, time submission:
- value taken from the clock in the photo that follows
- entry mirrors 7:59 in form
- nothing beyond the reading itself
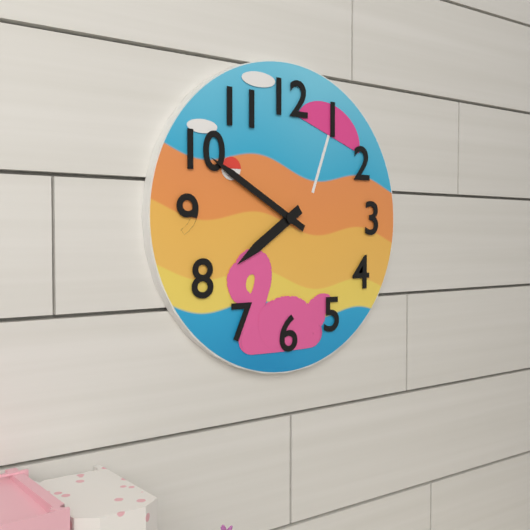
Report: 7:50
